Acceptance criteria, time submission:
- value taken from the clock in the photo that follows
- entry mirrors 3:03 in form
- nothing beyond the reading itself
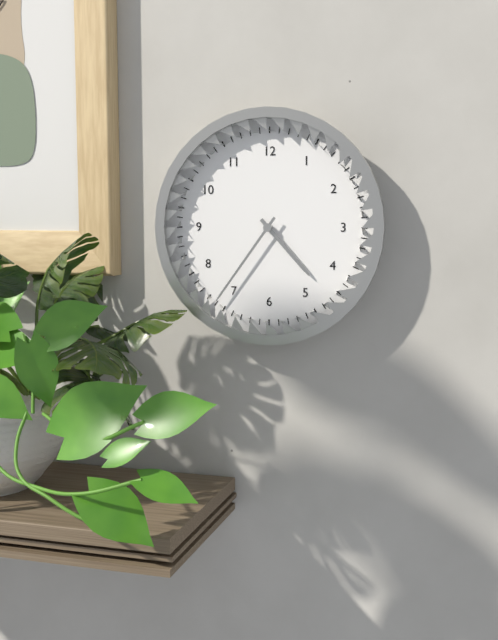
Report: 4:36
